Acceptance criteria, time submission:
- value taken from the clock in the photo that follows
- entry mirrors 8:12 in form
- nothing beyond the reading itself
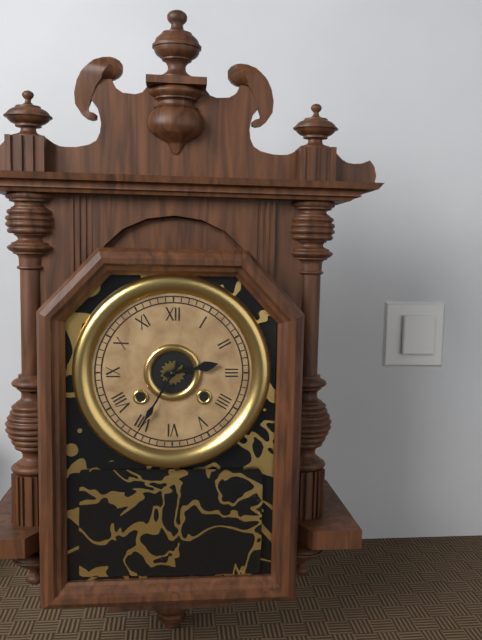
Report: 2:35
